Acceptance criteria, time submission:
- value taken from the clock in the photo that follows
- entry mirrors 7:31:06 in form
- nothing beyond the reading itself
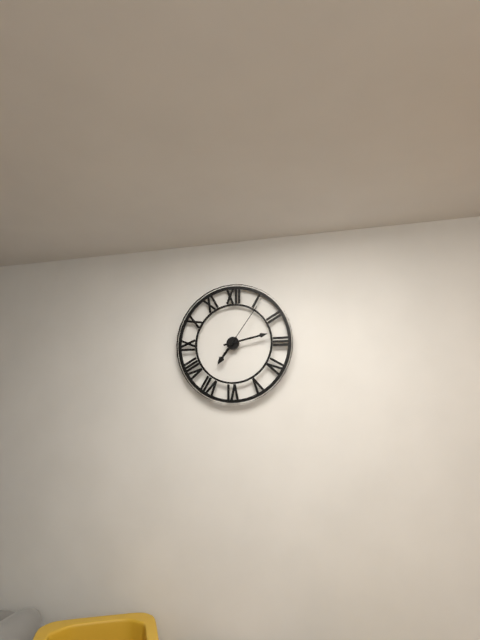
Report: 7:13:06
